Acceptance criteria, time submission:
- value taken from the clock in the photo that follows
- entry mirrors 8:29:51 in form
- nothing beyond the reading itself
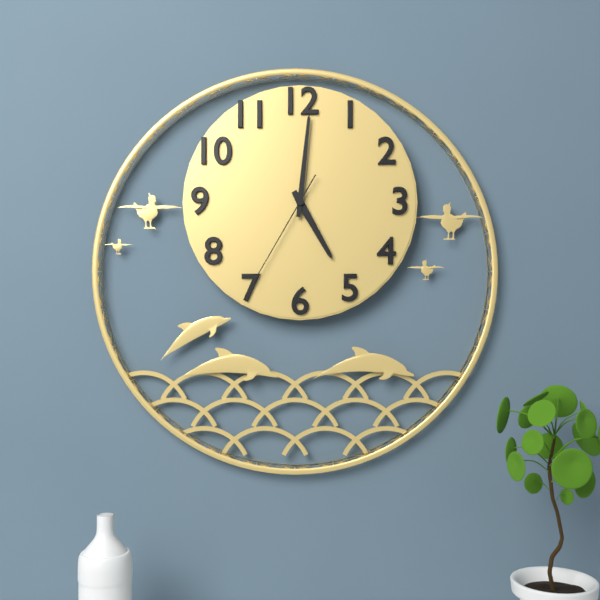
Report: 5:01:35
